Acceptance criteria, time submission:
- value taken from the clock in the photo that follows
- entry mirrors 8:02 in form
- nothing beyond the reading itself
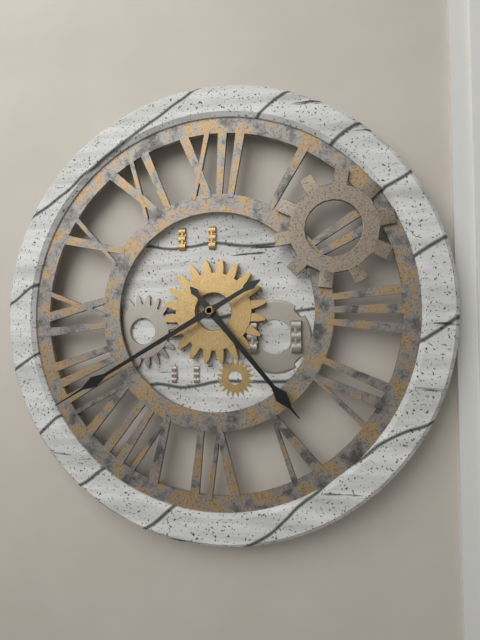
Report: 4:40
